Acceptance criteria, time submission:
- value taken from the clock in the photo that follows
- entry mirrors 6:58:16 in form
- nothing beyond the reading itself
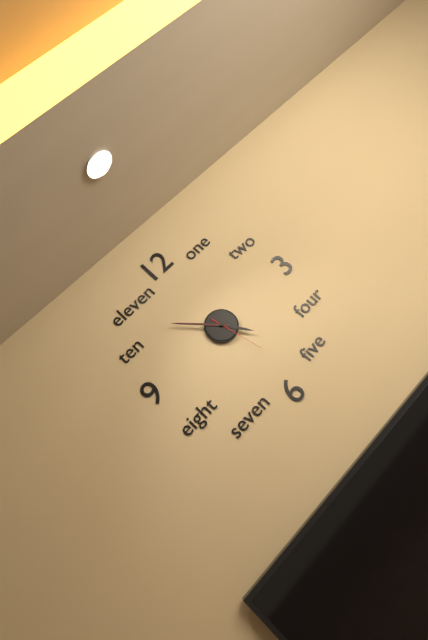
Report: 4:53:28
